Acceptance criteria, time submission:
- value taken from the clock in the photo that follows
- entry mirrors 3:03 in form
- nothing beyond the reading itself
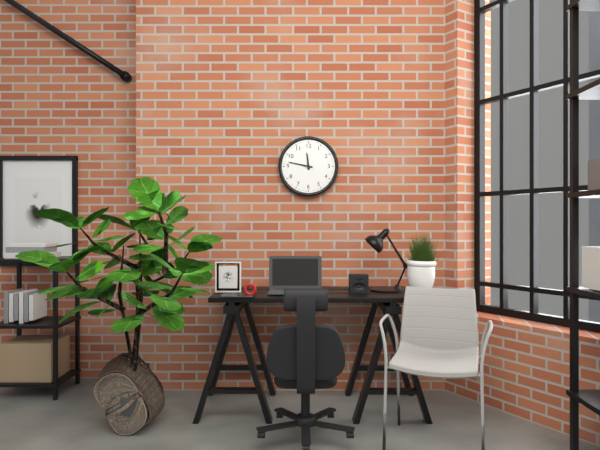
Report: 11:47
